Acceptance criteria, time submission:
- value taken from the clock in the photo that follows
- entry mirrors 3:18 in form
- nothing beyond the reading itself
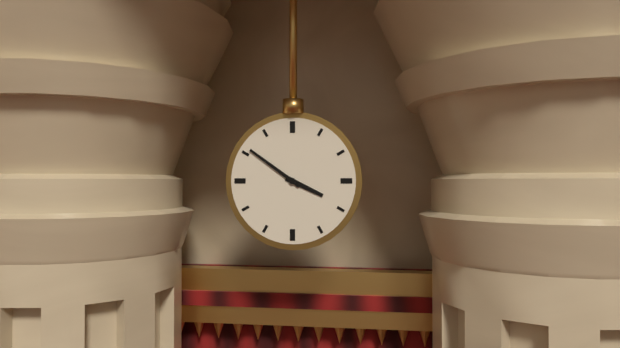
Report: 3:51
